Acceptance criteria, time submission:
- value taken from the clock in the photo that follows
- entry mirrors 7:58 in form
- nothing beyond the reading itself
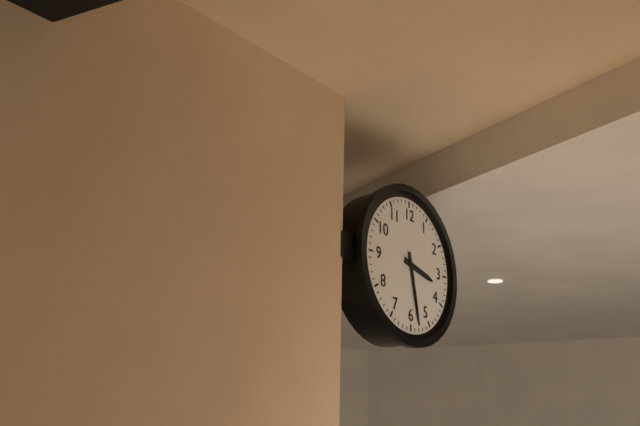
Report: 3:28
